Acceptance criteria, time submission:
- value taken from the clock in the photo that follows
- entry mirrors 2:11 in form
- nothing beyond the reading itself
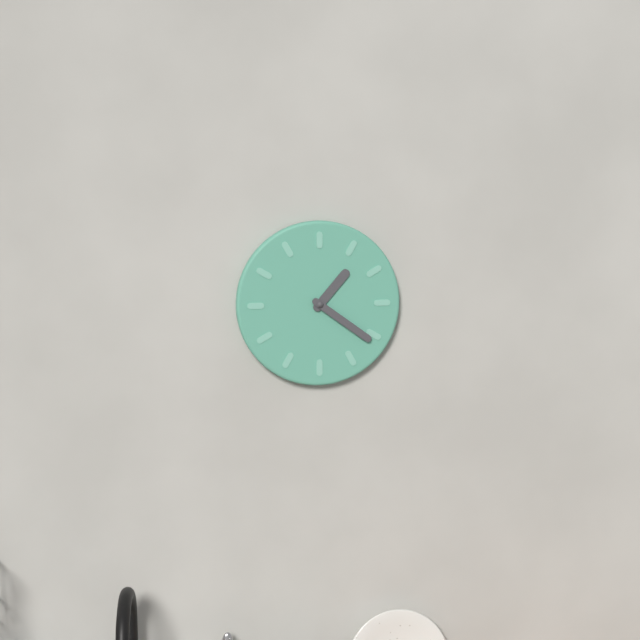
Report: 1:21
